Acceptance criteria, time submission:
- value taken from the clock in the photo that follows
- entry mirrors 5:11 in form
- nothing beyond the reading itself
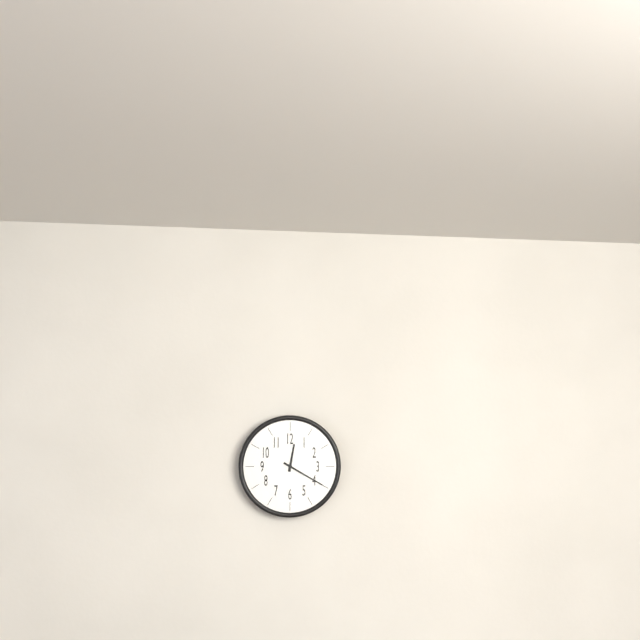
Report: 12:20
